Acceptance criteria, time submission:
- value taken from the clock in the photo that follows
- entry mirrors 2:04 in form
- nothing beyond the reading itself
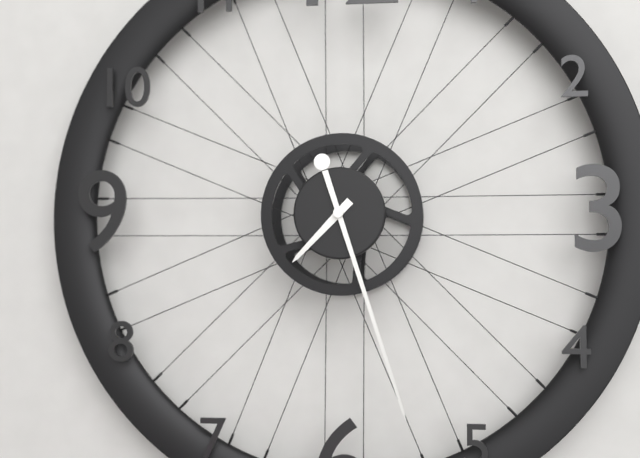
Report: 7:27
